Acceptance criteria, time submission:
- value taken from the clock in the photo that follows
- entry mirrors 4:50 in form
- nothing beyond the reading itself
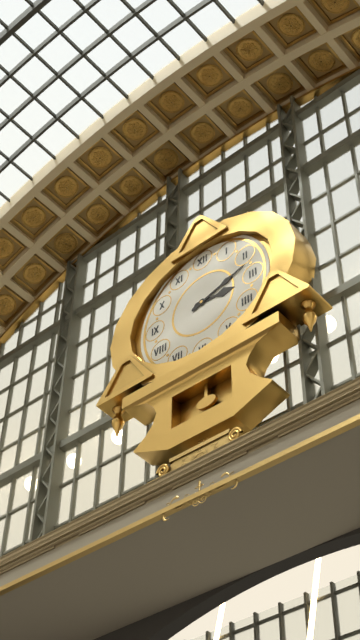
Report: 3:12
